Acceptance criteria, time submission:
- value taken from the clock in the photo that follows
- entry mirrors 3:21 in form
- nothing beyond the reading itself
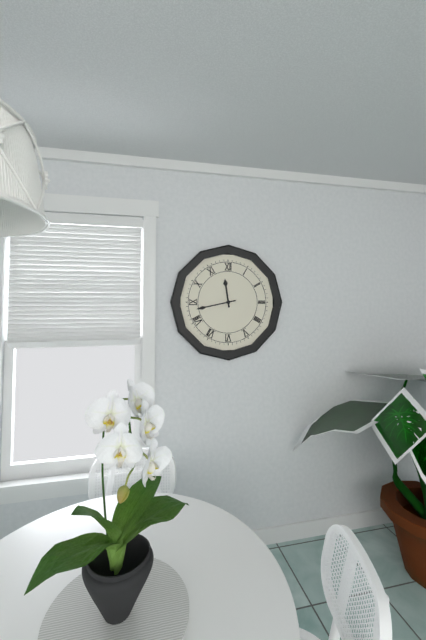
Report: 11:43
